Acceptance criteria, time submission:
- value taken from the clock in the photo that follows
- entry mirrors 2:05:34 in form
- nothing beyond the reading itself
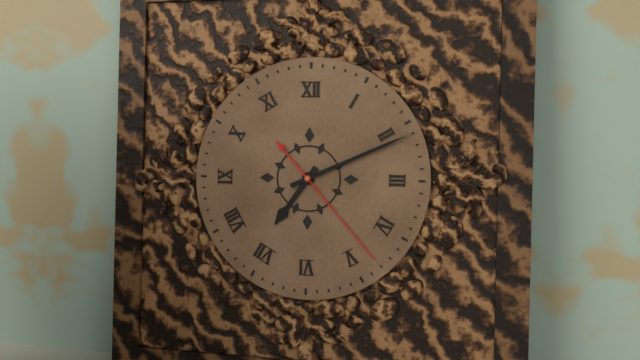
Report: 7:11:23
